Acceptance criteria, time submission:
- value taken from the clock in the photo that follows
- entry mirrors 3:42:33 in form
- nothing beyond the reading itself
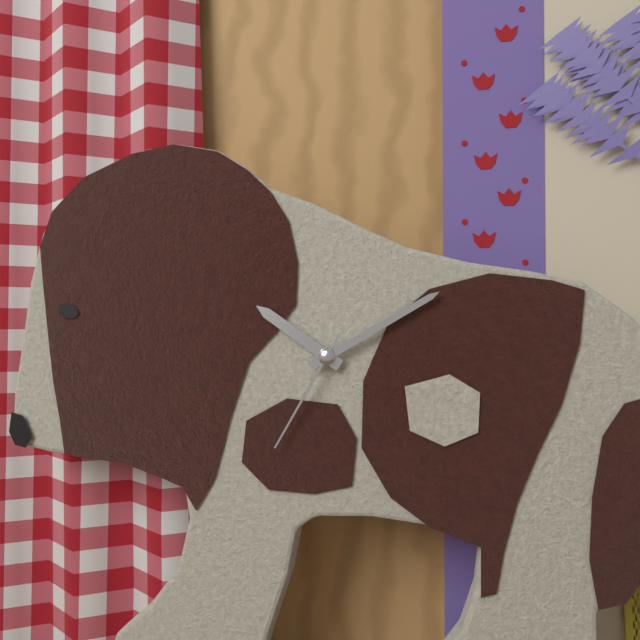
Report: 10:10:35
